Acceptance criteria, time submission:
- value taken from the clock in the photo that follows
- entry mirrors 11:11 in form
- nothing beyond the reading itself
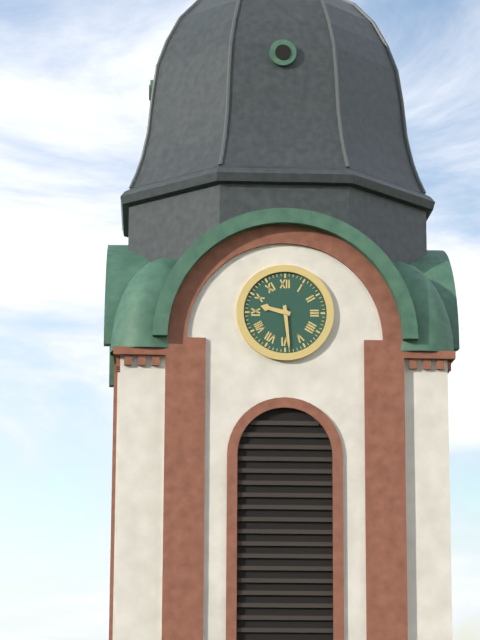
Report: 9:29
